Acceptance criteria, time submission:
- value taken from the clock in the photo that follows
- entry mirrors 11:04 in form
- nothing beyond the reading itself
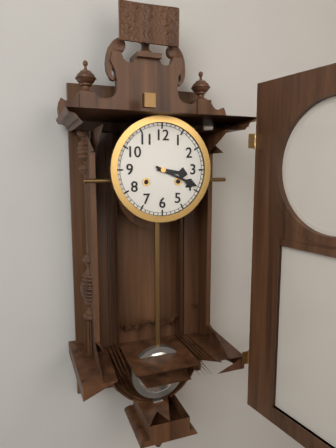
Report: 3:19
